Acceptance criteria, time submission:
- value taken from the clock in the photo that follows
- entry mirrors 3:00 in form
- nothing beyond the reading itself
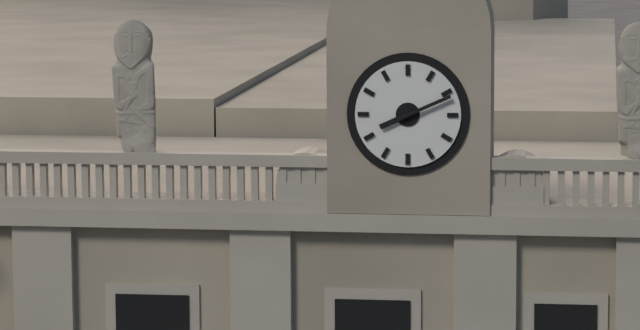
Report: 8:11
